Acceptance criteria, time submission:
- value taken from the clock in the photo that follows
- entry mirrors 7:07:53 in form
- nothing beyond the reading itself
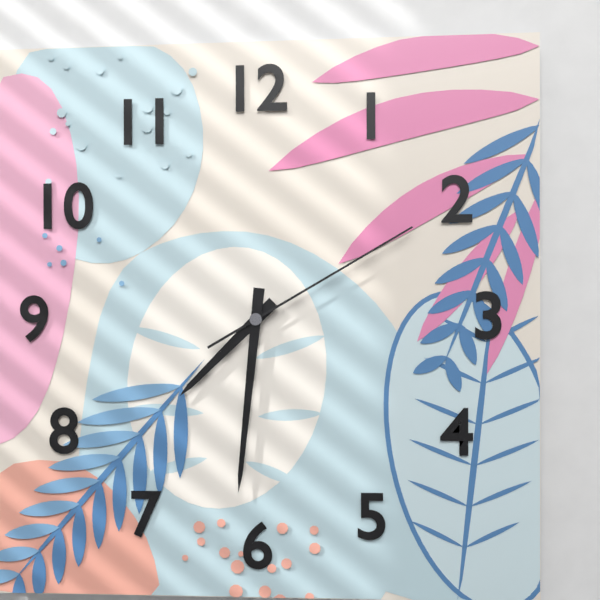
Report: 7:31:10
